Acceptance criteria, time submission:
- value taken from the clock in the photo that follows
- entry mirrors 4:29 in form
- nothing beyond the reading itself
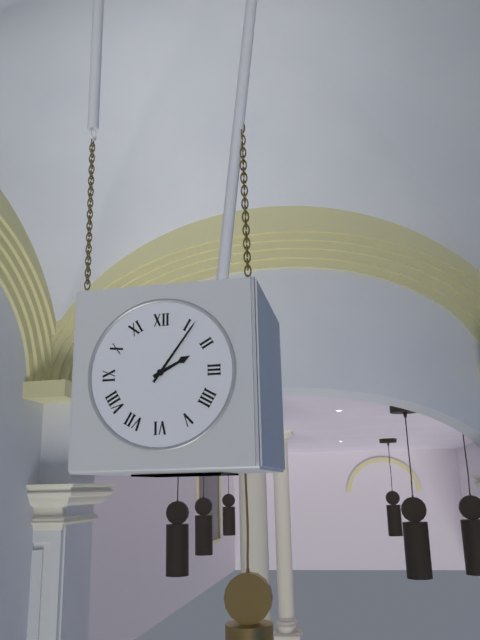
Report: 2:06
